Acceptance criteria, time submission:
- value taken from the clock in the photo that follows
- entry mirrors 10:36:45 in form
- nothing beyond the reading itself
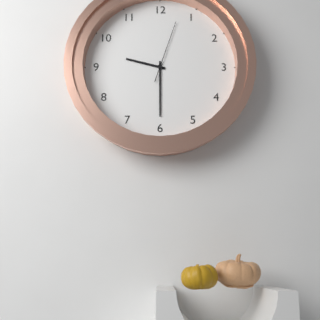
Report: 9:30:03
